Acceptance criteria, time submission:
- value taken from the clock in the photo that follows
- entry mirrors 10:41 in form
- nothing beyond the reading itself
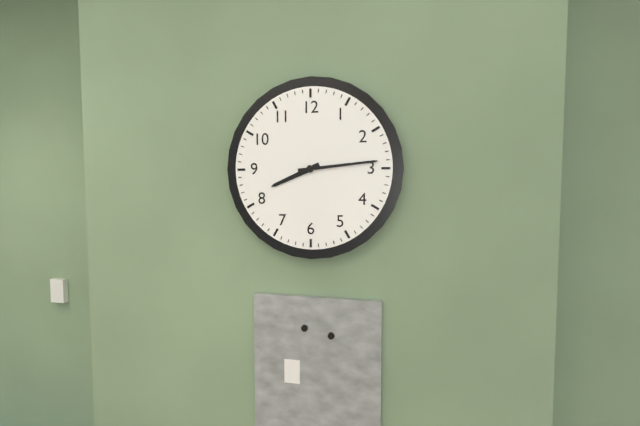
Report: 8:14
